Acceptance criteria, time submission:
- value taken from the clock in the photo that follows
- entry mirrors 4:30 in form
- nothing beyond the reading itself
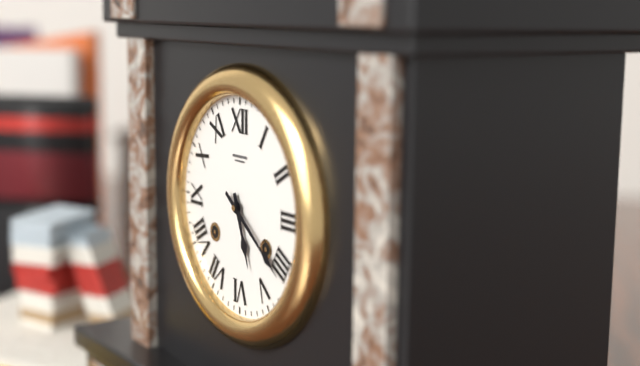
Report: 5:21
